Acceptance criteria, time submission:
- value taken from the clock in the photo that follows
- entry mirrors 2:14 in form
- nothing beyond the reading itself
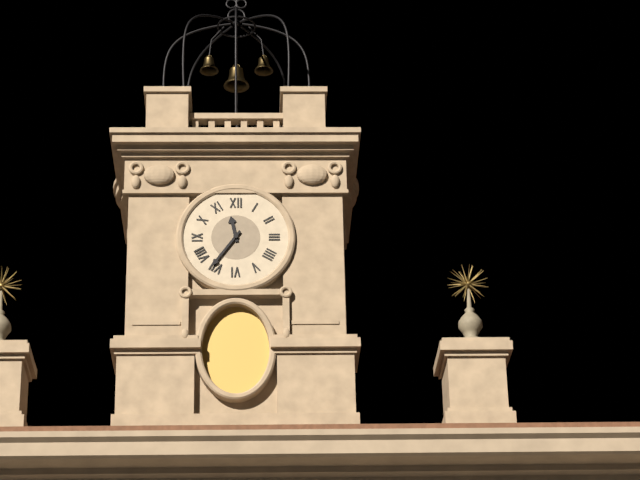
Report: 11:36
